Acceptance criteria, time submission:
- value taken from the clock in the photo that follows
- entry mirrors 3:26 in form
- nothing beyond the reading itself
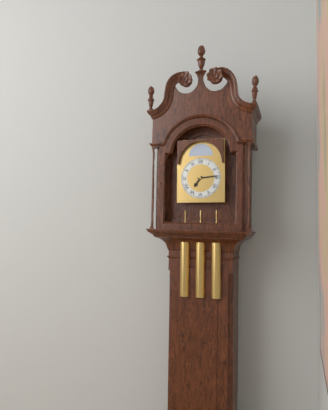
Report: 7:14
